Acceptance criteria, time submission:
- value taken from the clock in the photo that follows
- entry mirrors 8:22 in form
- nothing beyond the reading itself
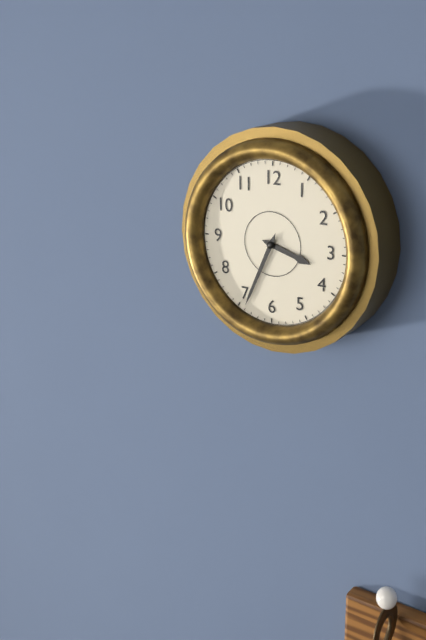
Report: 3:34
